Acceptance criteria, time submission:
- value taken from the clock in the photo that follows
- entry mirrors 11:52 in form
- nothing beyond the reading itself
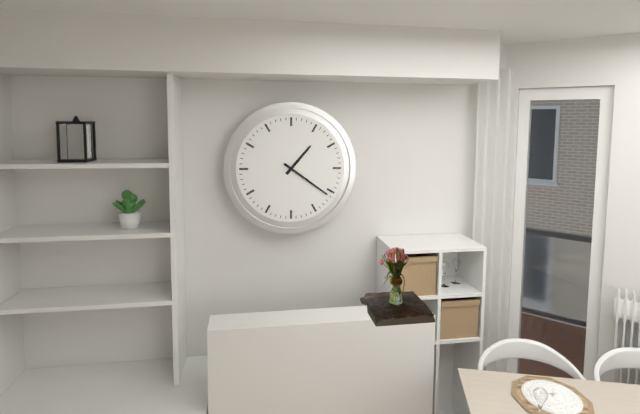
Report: 1:21
